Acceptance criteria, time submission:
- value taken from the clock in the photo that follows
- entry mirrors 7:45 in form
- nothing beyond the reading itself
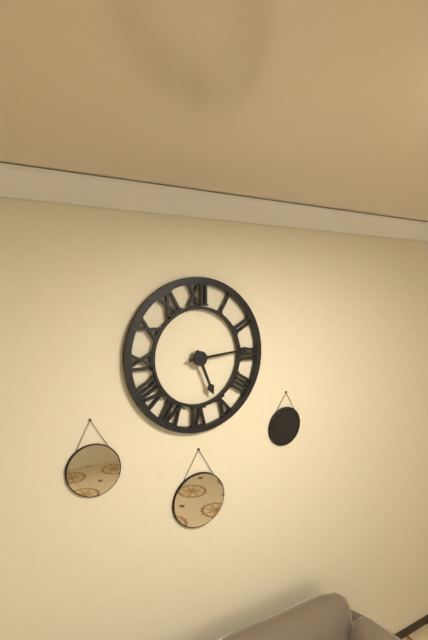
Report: 5:14
